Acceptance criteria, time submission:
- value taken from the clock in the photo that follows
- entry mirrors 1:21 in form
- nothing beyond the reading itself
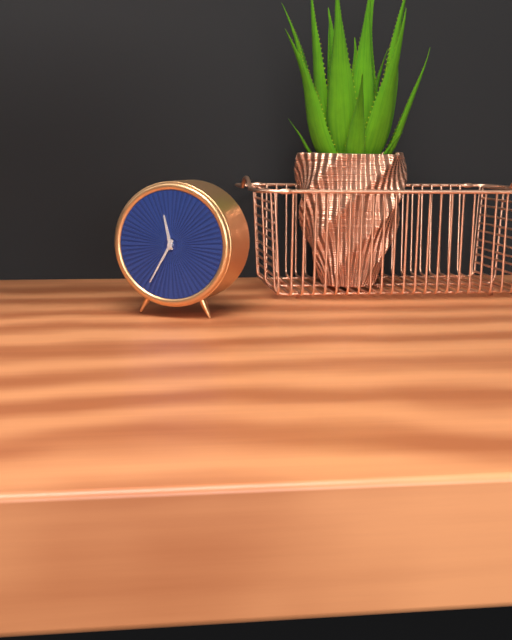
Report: 11:35
